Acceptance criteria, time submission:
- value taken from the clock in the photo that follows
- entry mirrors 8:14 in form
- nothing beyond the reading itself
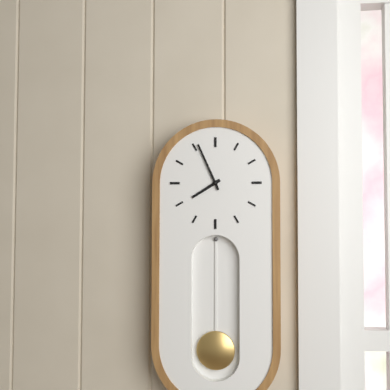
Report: 7:56
